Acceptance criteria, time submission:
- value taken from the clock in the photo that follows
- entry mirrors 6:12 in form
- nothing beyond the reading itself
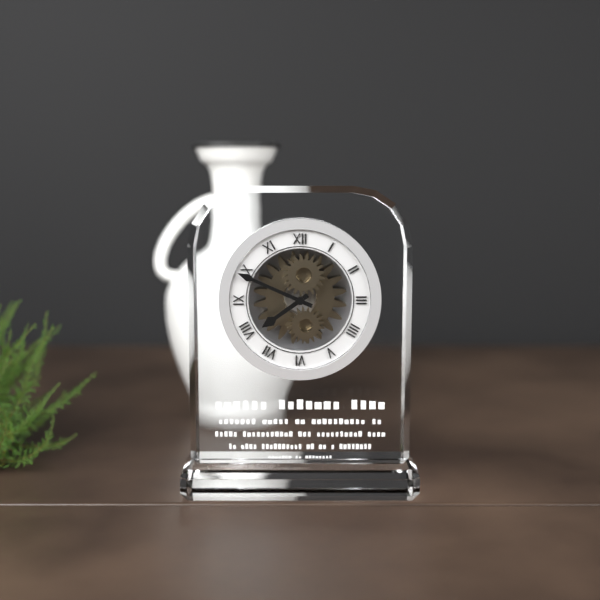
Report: 7:49
